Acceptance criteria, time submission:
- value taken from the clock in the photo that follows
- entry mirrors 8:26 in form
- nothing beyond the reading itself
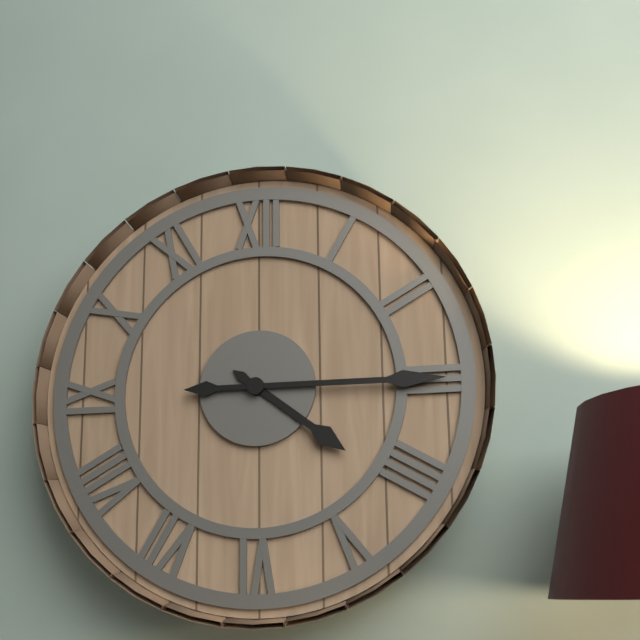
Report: 4:15
